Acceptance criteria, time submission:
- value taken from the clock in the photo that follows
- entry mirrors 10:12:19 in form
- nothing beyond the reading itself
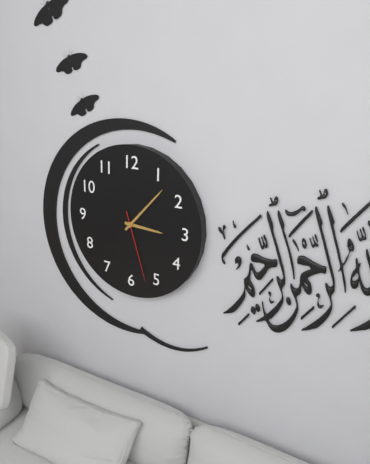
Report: 3:07:27
